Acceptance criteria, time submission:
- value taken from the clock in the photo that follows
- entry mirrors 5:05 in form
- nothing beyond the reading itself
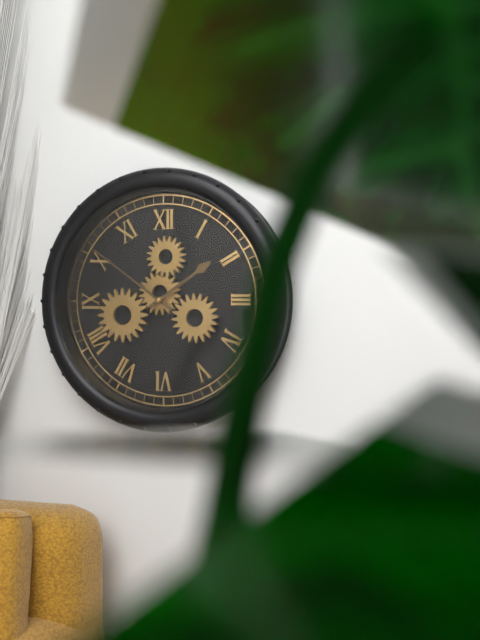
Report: 1:51
